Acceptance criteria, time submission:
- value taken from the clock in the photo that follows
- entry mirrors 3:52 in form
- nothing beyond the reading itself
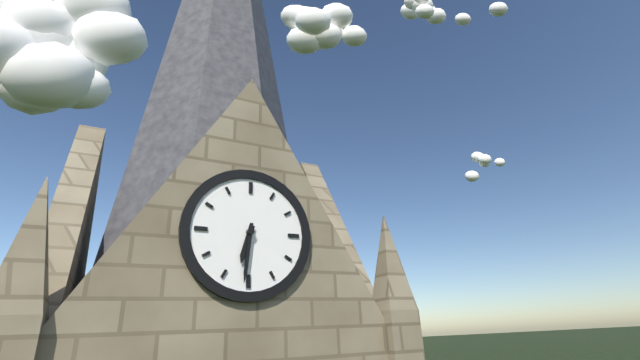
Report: 6:31
